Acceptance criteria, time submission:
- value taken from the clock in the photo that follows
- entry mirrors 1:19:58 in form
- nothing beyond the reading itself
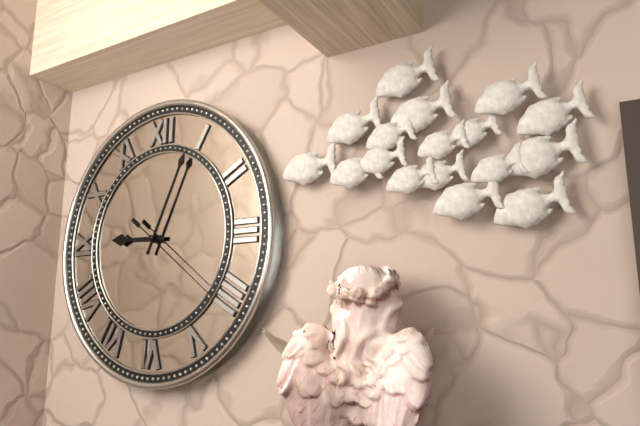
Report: 9:04:21
